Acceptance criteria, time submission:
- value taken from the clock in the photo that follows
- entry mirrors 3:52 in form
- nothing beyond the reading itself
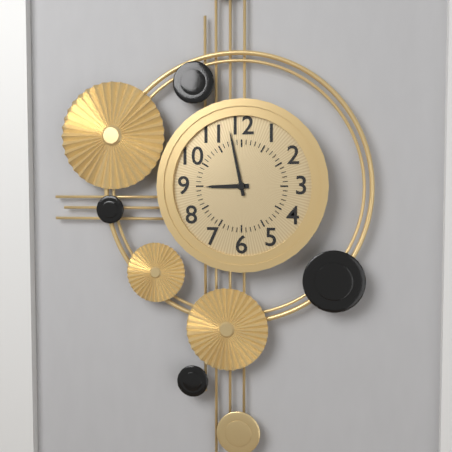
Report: 8:58
